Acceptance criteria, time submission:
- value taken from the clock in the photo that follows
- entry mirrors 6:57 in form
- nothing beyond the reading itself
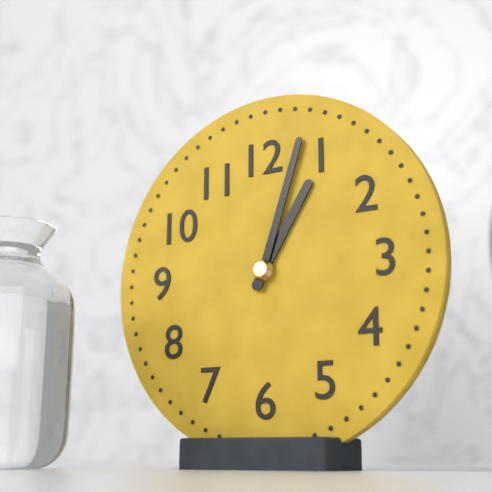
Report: 1:03
